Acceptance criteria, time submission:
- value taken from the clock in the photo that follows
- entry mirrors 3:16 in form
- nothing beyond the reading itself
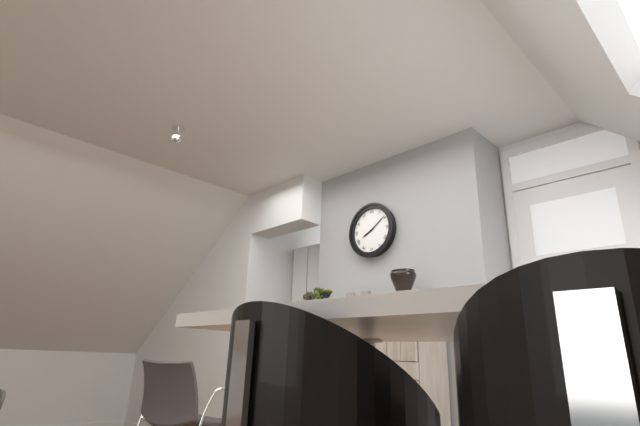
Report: 8:09
